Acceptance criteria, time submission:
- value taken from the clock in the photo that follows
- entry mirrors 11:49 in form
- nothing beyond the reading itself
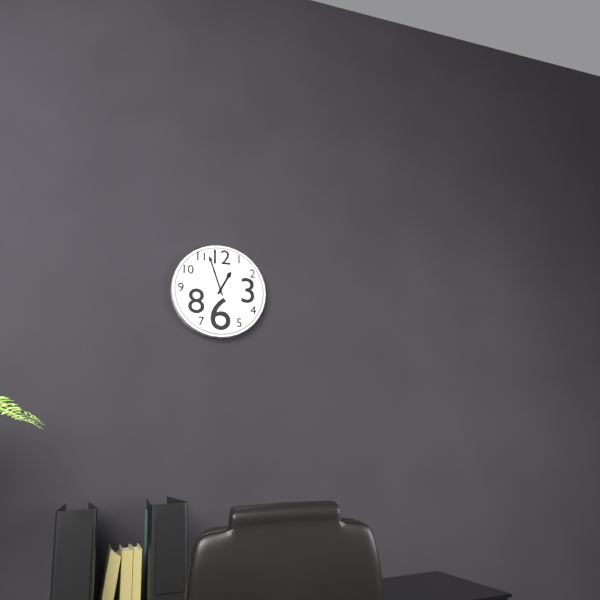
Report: 12:57
